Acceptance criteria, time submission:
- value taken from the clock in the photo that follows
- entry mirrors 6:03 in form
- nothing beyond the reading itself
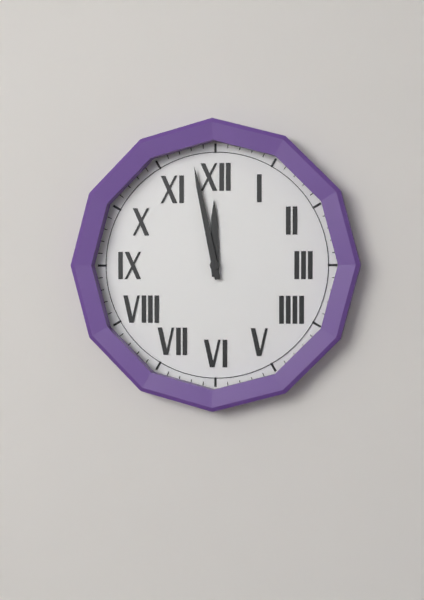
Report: 11:58
